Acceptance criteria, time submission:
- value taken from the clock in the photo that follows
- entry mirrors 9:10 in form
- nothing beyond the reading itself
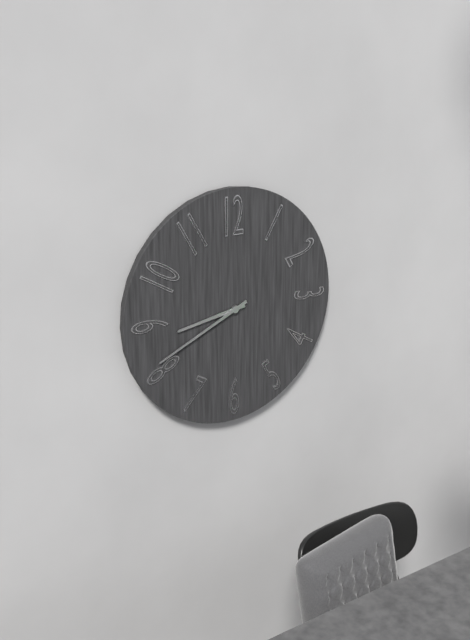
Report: 8:41
